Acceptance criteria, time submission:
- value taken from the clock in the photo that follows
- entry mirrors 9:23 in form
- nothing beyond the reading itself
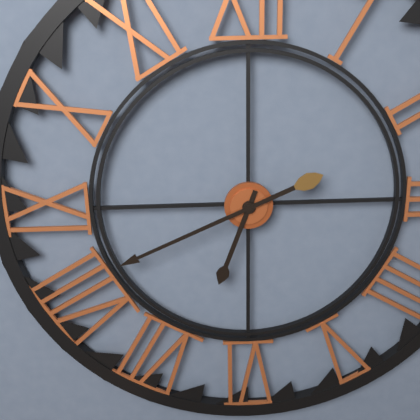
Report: 6:41
